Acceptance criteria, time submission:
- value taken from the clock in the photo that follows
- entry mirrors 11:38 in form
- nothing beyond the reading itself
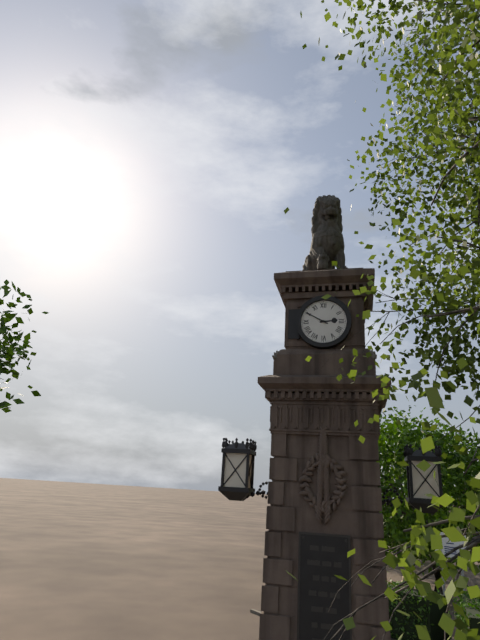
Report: 2:50
